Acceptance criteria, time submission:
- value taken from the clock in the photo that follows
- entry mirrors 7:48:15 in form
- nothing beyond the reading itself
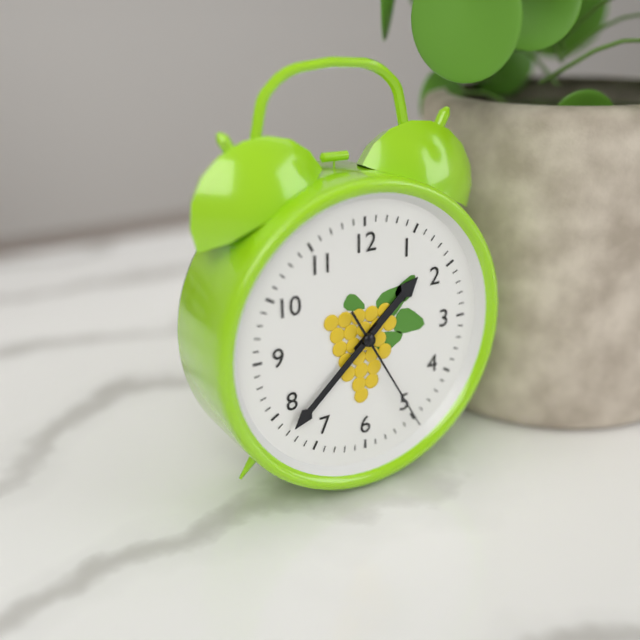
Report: 1:38:25
